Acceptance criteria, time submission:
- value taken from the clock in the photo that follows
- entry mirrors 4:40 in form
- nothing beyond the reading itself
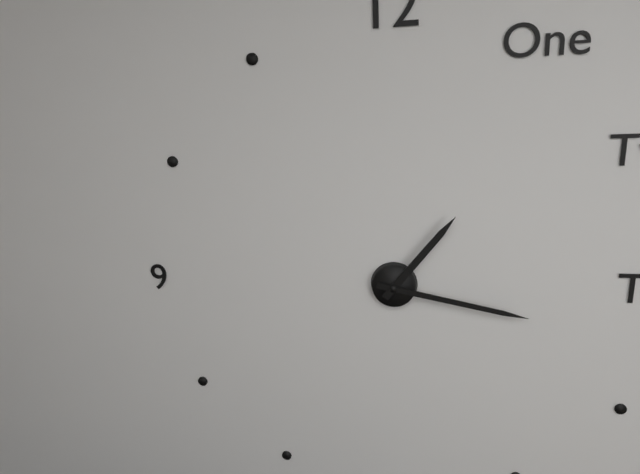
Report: 1:17
